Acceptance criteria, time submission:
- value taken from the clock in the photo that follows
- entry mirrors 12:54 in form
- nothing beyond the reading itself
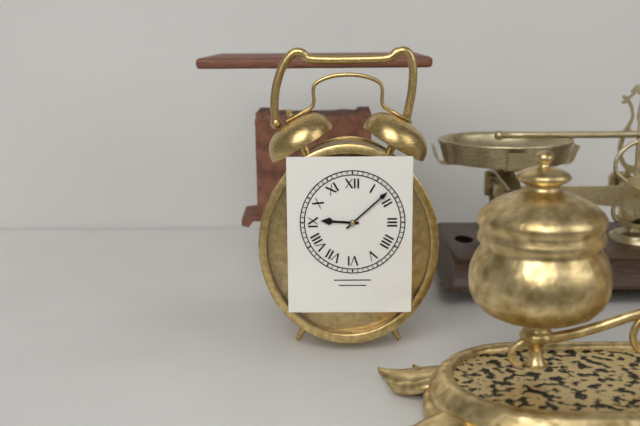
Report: 9:08
